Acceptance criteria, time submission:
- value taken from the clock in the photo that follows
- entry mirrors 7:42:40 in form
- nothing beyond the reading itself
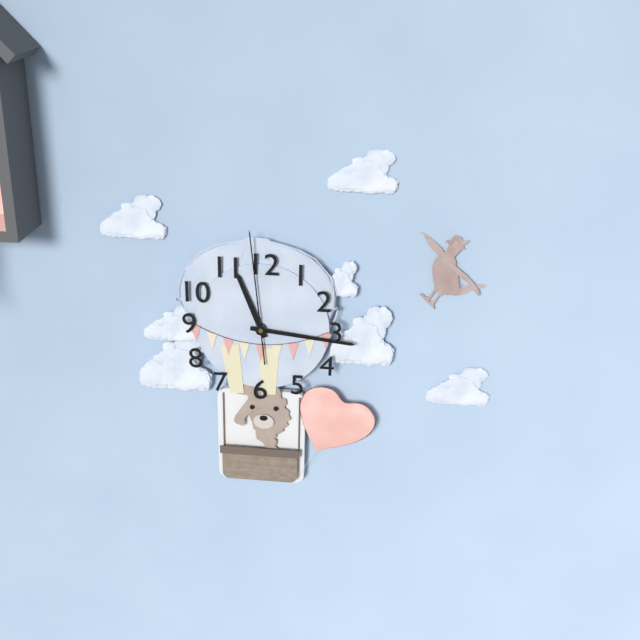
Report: 11:16:59
